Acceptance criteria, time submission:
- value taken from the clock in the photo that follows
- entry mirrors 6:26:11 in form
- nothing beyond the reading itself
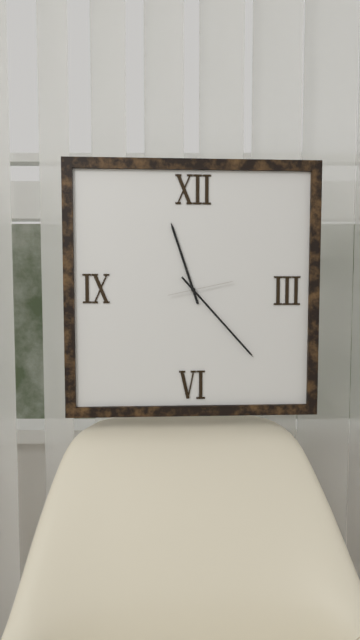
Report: 11:23:13
